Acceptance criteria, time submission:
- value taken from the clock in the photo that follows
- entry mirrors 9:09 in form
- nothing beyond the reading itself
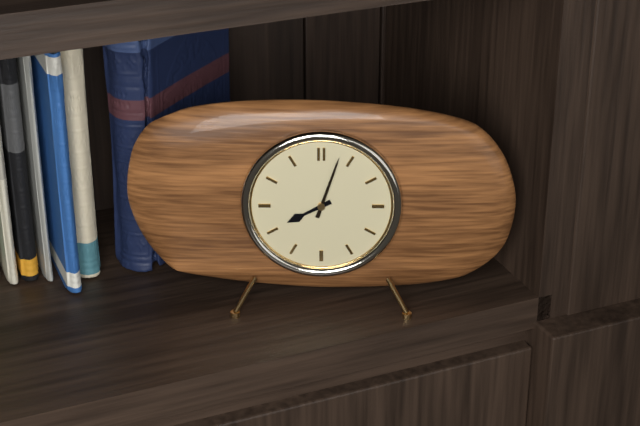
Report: 8:03
